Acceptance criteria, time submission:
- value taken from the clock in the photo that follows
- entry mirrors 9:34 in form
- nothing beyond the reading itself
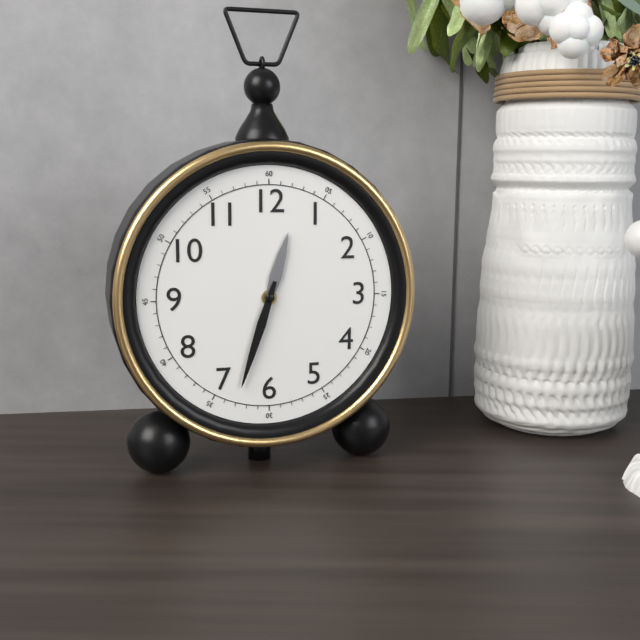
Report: 12:33
